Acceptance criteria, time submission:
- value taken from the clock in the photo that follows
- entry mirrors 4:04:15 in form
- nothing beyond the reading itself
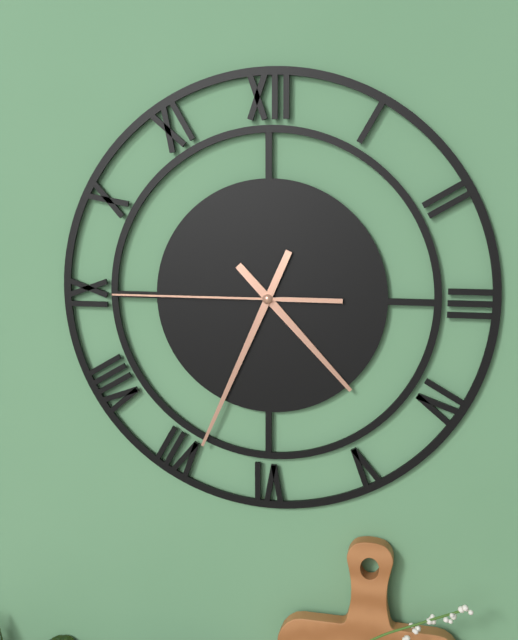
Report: 4:34:45
